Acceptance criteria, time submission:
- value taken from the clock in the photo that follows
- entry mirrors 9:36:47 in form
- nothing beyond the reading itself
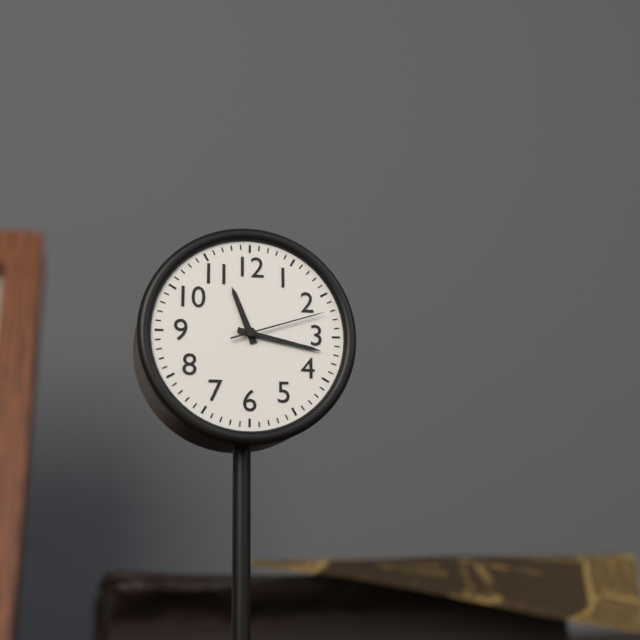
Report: 11:17:12
